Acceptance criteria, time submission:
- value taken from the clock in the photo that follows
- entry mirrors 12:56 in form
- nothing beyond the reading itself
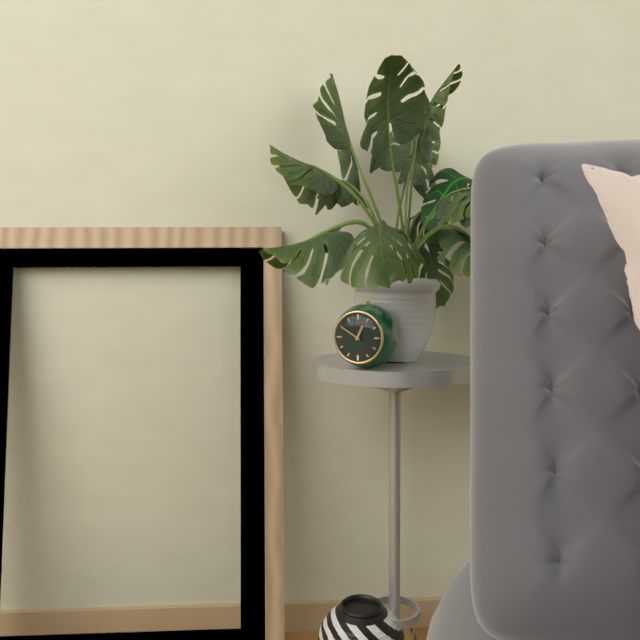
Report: 12:50
